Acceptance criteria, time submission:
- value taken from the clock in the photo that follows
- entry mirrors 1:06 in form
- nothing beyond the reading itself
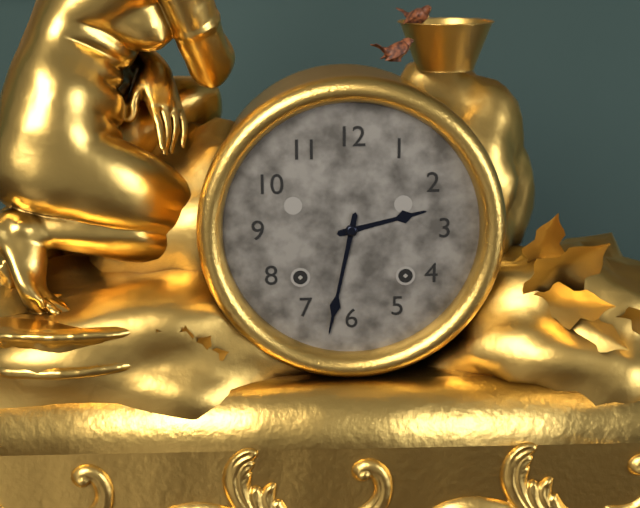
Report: 2:32
